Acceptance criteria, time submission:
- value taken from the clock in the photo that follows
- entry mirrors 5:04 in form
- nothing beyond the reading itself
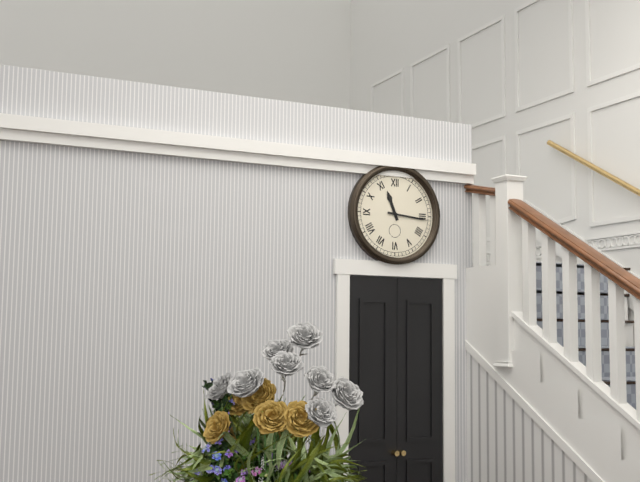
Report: 11:16
